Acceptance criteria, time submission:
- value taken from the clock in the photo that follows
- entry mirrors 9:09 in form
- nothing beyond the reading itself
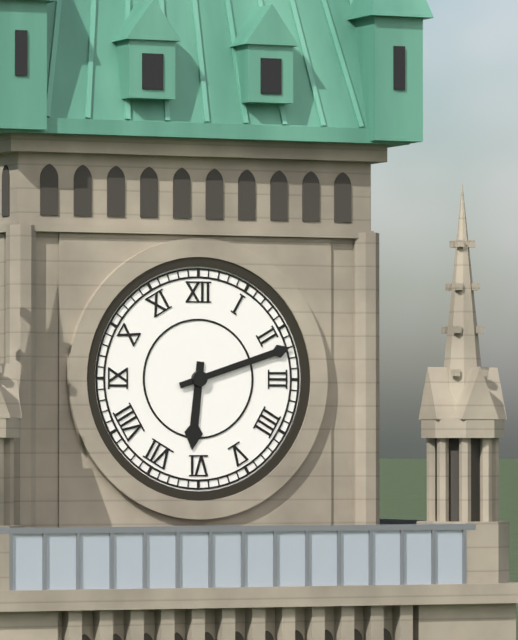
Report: 6:12
